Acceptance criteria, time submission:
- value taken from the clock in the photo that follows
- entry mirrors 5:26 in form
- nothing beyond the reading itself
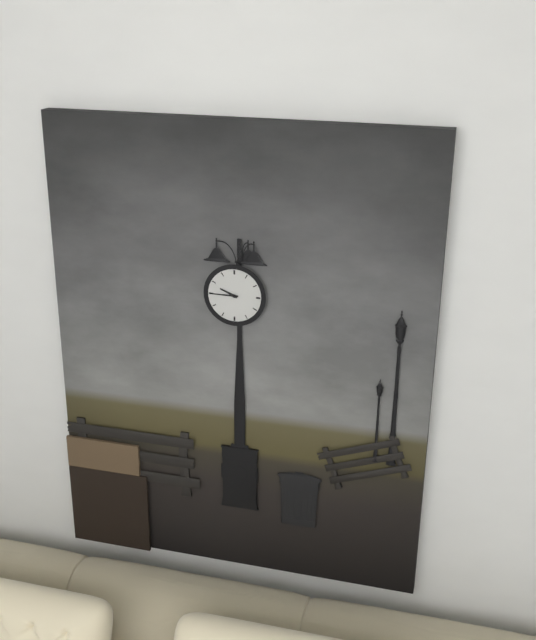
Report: 9:45
